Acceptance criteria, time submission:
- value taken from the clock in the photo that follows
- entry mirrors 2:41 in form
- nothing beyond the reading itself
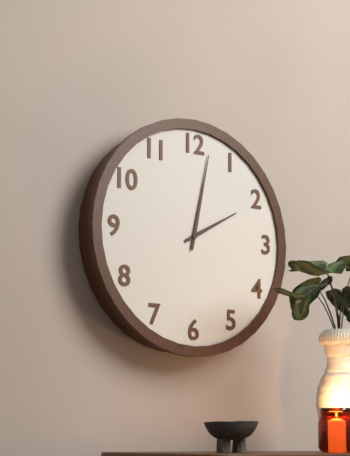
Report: 2:02
